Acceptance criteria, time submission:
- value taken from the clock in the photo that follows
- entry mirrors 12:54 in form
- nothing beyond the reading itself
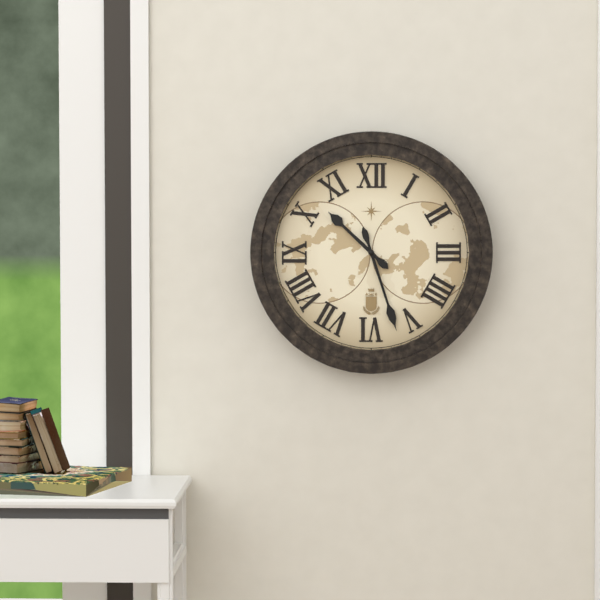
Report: 10:27
